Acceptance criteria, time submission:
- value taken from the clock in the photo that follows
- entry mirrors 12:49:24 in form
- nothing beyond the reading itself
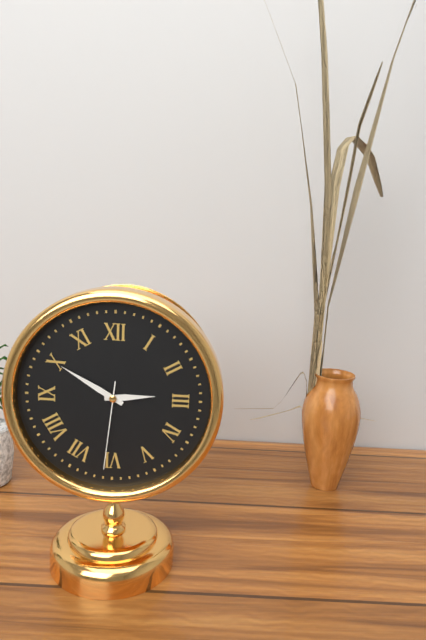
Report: 2:50:31
